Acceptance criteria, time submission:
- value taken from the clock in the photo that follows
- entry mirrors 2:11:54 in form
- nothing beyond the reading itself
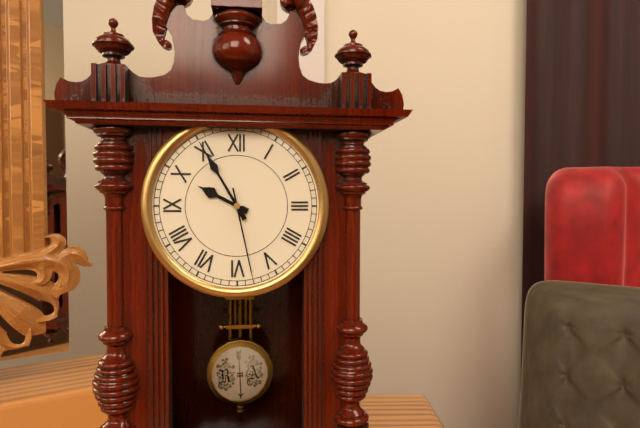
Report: 9:55:28
